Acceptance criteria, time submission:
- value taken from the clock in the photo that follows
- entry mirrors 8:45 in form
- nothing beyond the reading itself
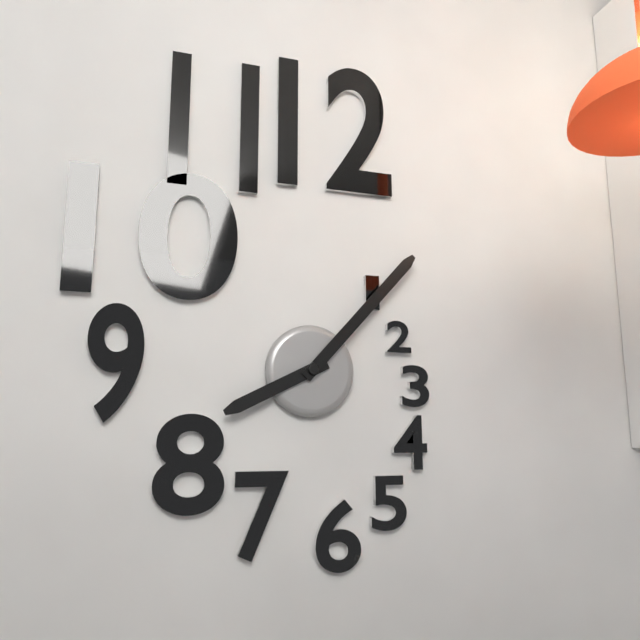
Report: 8:07
